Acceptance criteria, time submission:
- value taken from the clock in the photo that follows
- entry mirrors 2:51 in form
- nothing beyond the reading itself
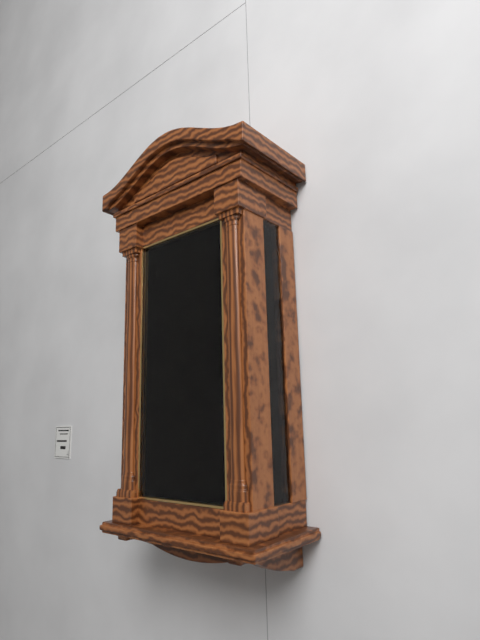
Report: 3:07
